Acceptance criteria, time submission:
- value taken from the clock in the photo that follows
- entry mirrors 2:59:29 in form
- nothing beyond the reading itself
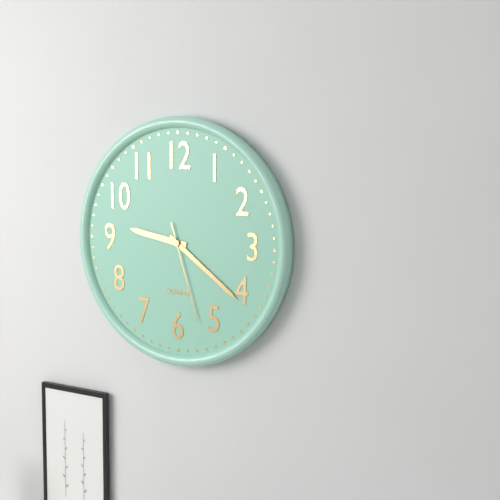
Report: 9:21:27
